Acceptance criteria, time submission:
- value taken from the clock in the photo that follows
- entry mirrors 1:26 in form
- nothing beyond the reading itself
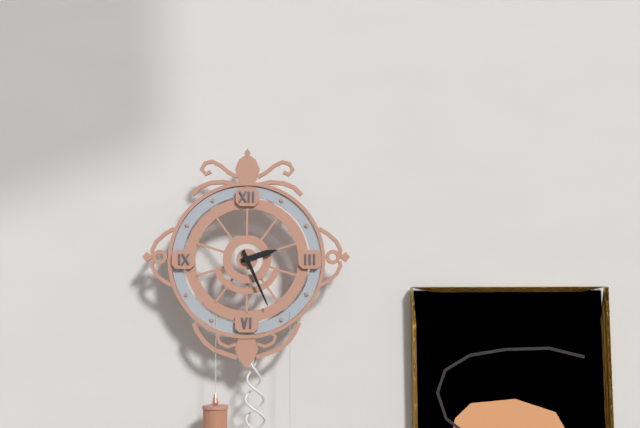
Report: 2:26
